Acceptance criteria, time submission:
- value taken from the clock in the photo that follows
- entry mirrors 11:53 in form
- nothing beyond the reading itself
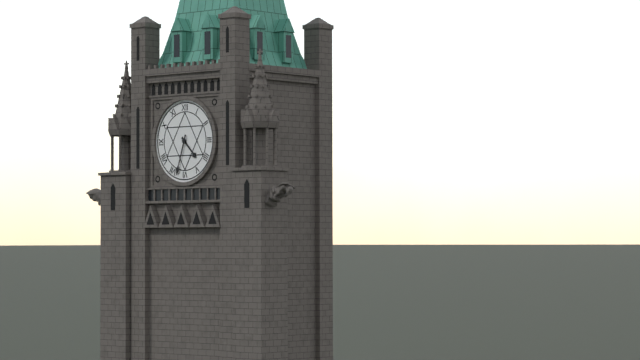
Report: 4:33
